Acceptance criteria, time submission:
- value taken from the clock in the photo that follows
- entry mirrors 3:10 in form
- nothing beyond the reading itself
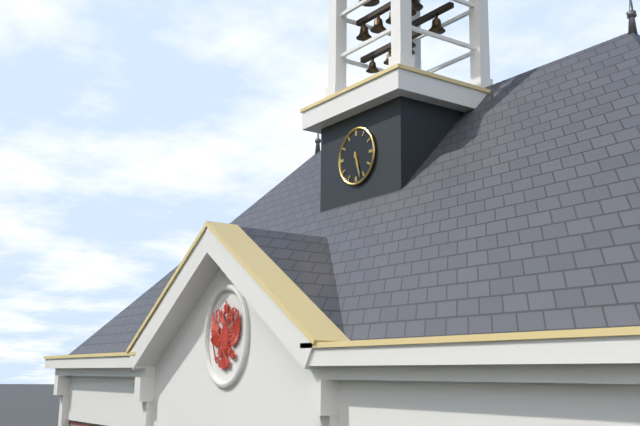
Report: 5:27
